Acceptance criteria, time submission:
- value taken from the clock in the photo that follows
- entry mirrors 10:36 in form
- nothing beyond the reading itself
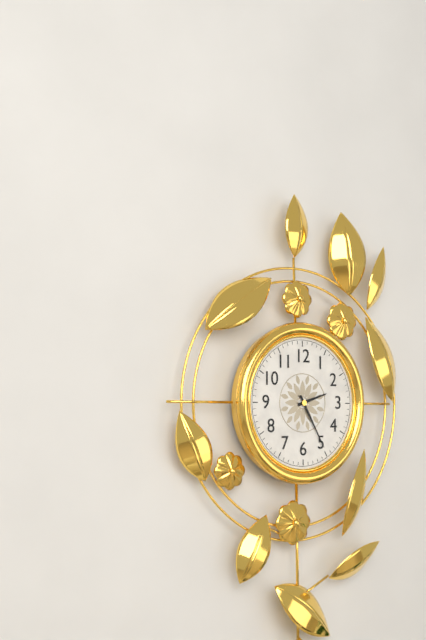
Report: 2:25
